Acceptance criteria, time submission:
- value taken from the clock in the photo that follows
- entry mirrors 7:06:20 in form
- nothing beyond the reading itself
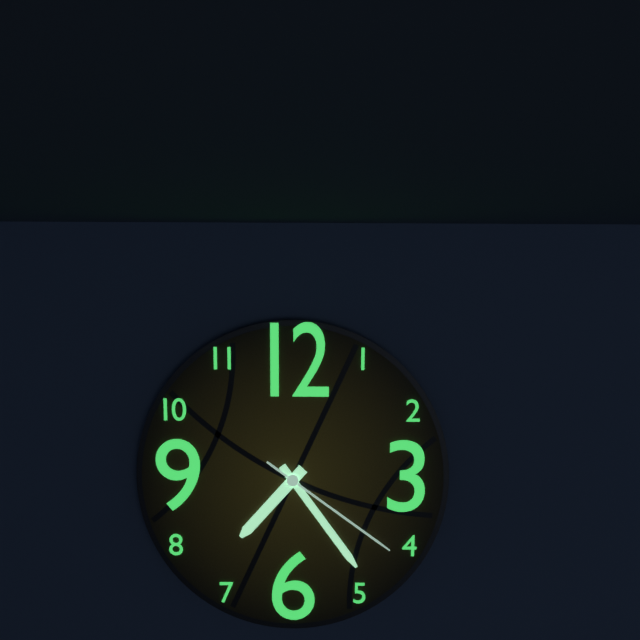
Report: 7:24:21
